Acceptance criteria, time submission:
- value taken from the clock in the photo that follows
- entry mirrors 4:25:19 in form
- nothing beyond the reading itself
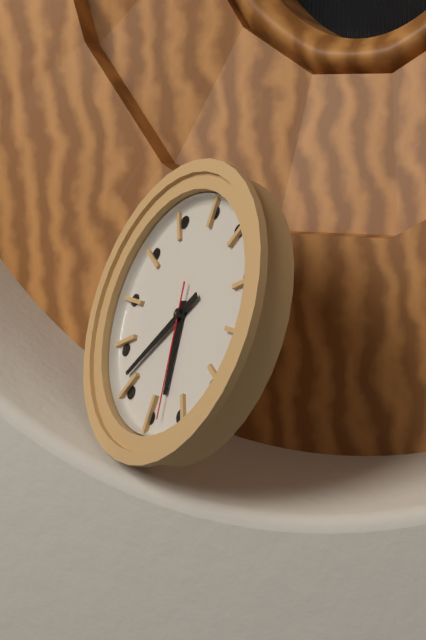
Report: 5:37:28
